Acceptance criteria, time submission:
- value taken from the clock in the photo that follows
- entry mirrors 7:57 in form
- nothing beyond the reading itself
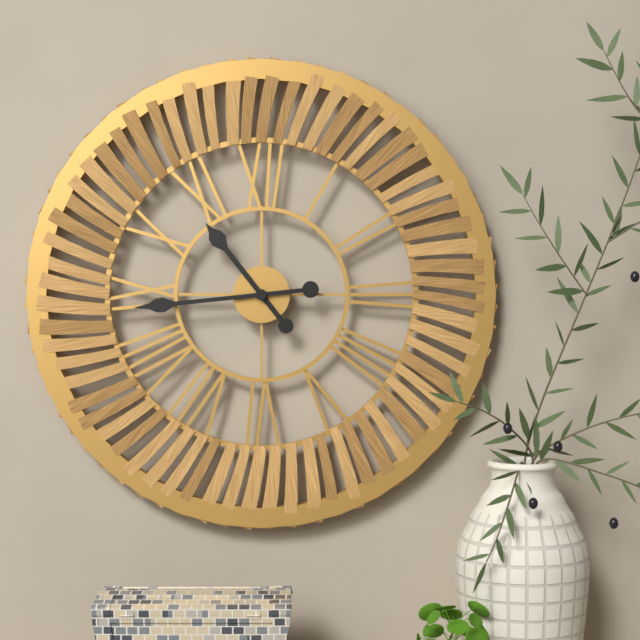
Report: 10:44
